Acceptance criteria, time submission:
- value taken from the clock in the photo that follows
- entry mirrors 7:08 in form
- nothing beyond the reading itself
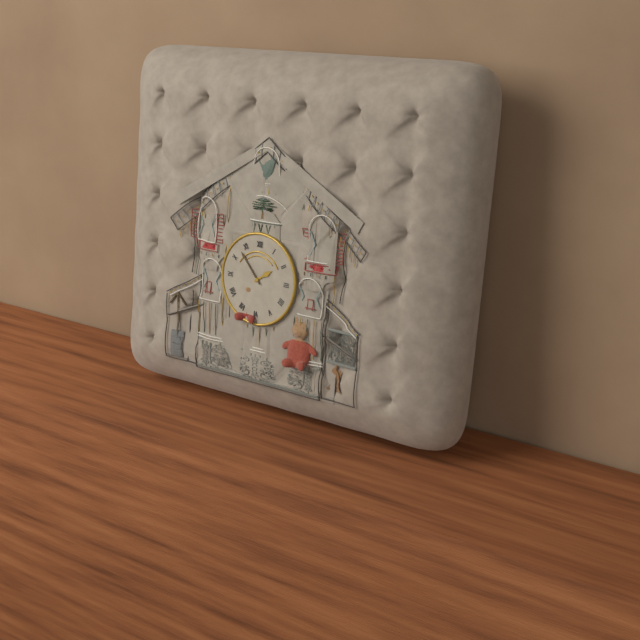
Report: 1:53
